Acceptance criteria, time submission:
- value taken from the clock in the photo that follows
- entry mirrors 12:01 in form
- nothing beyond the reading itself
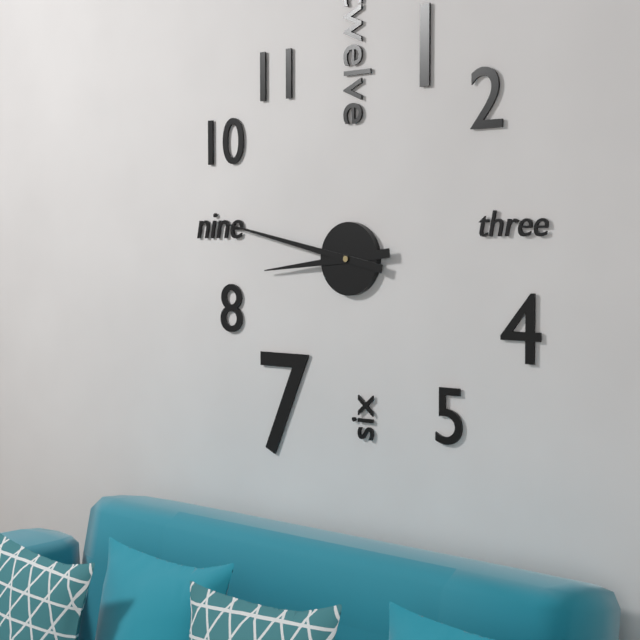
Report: 8:47
